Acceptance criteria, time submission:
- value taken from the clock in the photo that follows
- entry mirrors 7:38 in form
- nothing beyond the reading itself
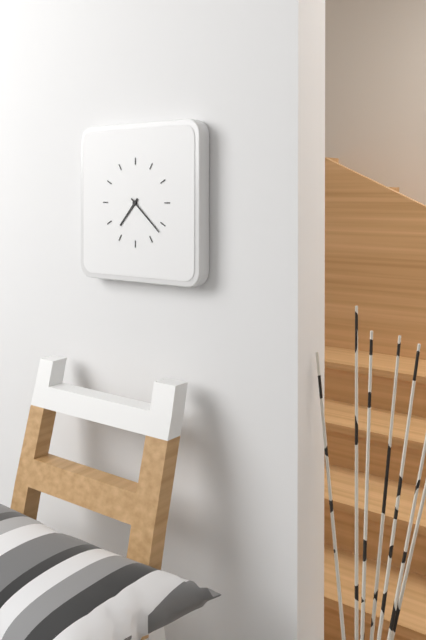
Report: 7:22
